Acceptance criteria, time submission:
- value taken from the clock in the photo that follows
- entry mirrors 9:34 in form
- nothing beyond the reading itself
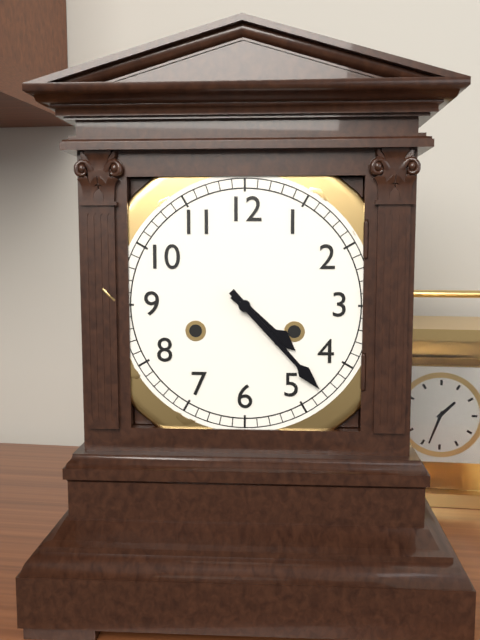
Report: 4:23
